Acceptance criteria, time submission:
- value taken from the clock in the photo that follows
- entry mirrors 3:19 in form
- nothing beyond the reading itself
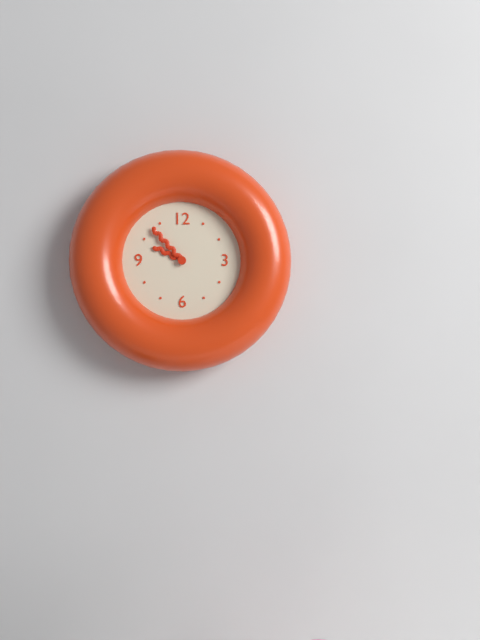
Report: 9:53
